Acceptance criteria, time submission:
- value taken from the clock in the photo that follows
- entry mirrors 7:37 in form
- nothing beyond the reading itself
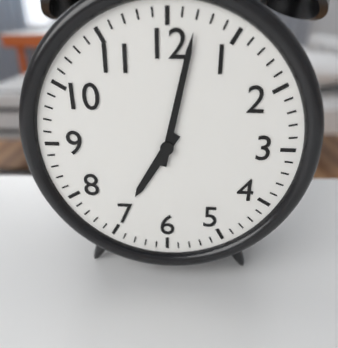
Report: 7:02
